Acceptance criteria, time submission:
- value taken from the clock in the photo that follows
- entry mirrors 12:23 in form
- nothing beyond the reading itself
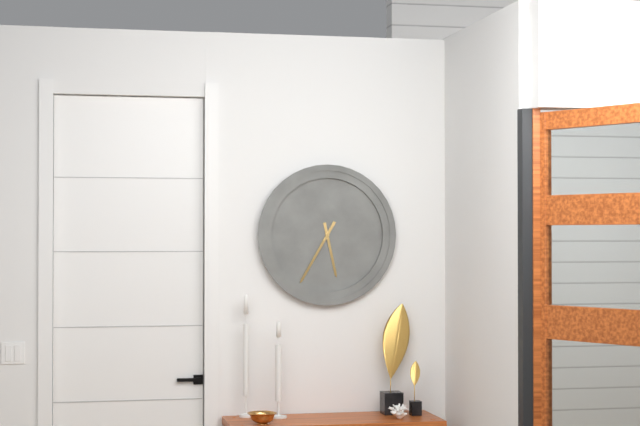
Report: 5:35
